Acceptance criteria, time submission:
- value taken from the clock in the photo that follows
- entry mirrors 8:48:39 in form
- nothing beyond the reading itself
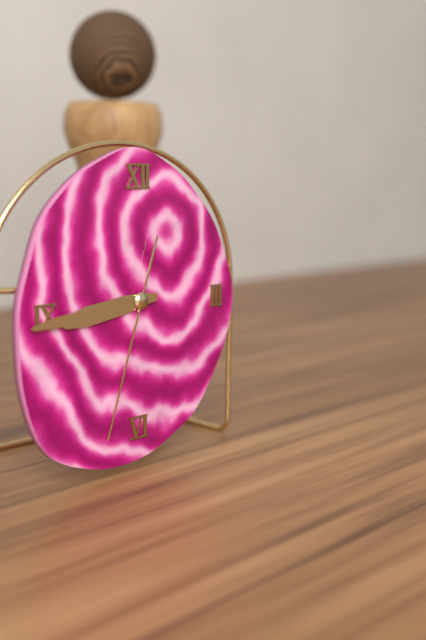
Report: 8:44:33
